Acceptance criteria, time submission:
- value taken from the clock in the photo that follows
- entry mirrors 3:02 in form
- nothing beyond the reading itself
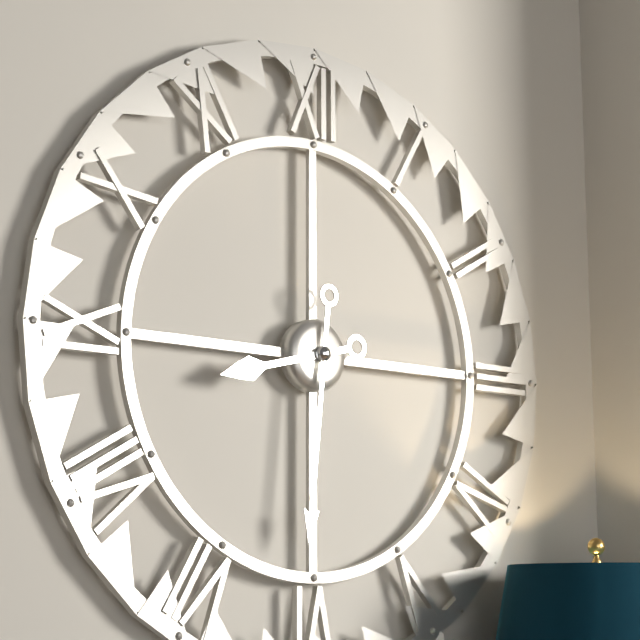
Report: 8:31
